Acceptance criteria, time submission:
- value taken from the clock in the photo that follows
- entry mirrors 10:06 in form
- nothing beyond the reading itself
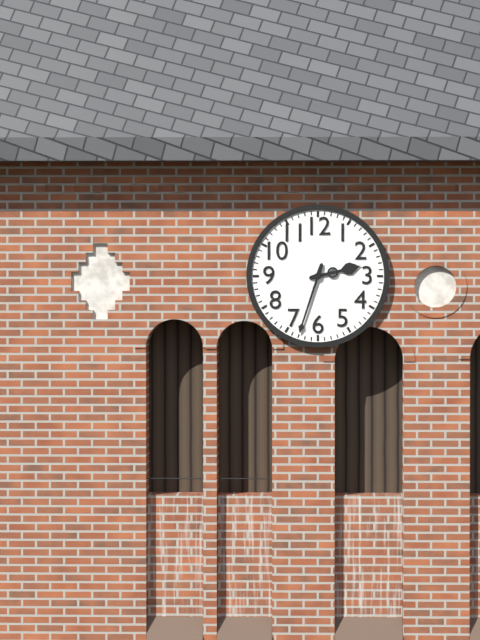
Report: 2:33
